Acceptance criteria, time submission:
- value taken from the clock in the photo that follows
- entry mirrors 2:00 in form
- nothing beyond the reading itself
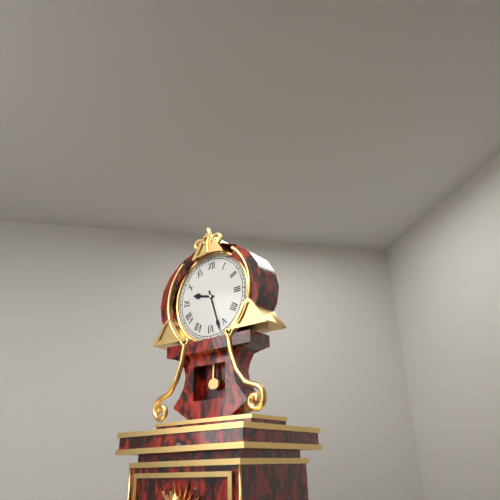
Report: 9:27
